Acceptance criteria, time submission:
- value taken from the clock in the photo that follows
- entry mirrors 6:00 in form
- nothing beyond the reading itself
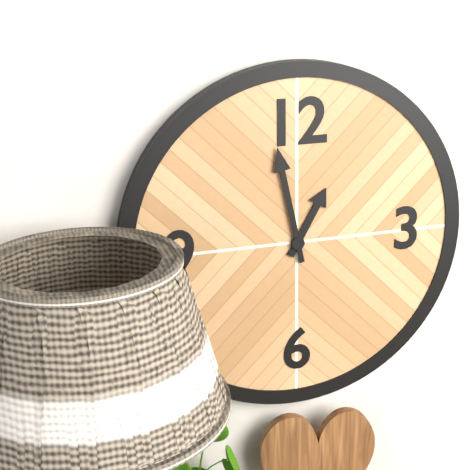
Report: 12:58
